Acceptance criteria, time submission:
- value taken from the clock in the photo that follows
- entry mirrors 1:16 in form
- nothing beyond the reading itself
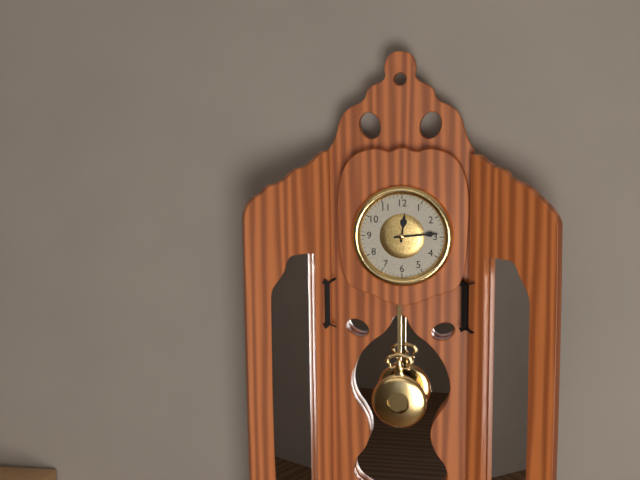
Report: 12:14
